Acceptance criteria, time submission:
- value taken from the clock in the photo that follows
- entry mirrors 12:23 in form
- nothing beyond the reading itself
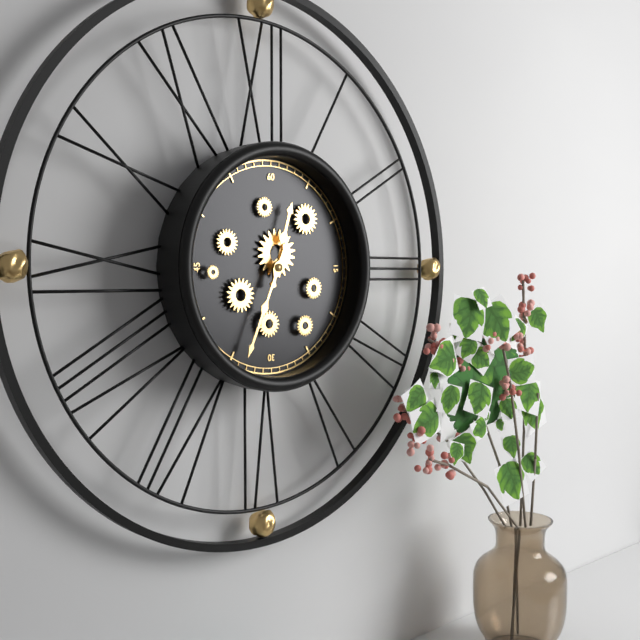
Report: 12:34
